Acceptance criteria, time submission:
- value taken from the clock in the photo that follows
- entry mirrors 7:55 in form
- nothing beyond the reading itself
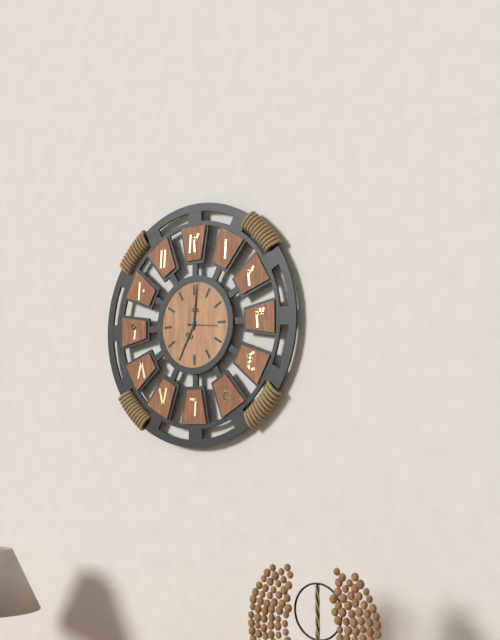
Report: 7:01
